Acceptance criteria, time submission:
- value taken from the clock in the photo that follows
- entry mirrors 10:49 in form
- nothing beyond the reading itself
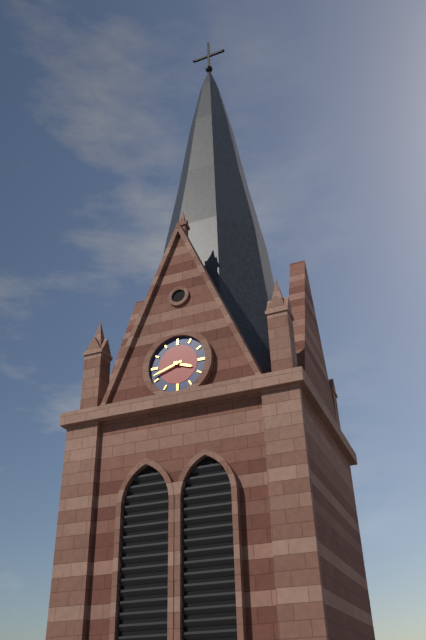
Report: 3:42
